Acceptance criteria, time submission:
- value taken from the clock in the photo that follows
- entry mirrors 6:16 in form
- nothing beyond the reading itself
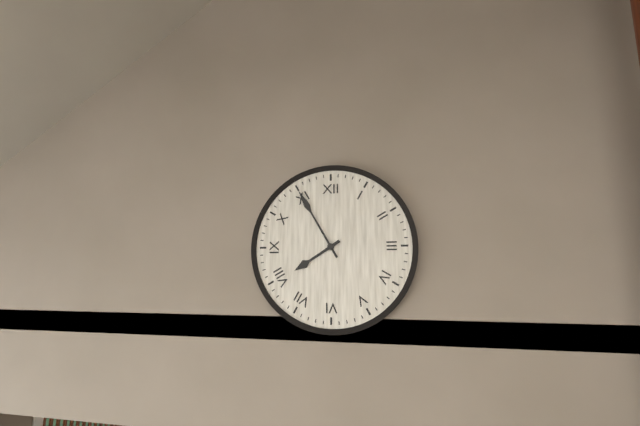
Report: 7:55
